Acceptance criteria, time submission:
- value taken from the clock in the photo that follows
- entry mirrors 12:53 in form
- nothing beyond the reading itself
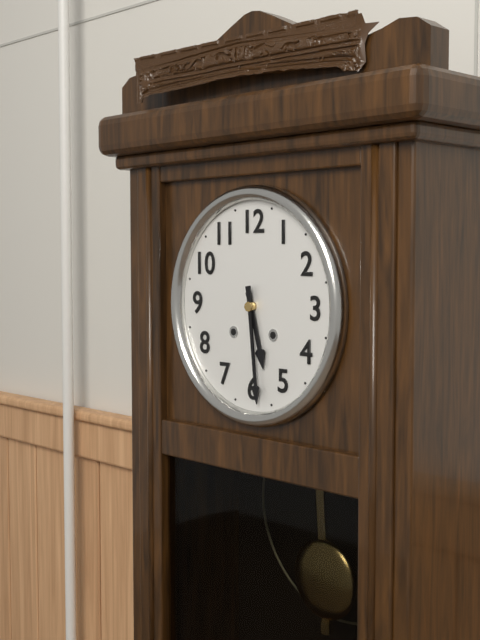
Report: 5:29
